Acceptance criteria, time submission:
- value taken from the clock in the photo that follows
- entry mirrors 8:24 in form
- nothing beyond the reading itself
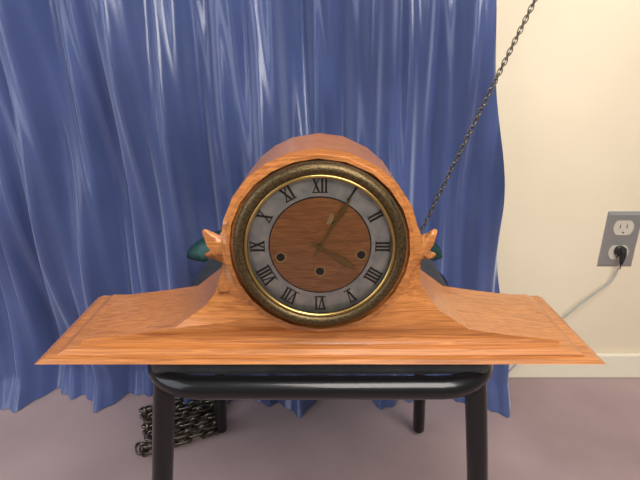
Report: 4:05
